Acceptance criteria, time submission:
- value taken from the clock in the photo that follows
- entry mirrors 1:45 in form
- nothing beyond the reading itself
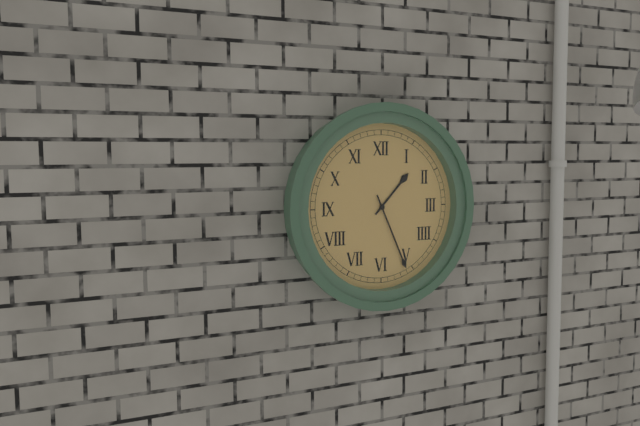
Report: 1:26
